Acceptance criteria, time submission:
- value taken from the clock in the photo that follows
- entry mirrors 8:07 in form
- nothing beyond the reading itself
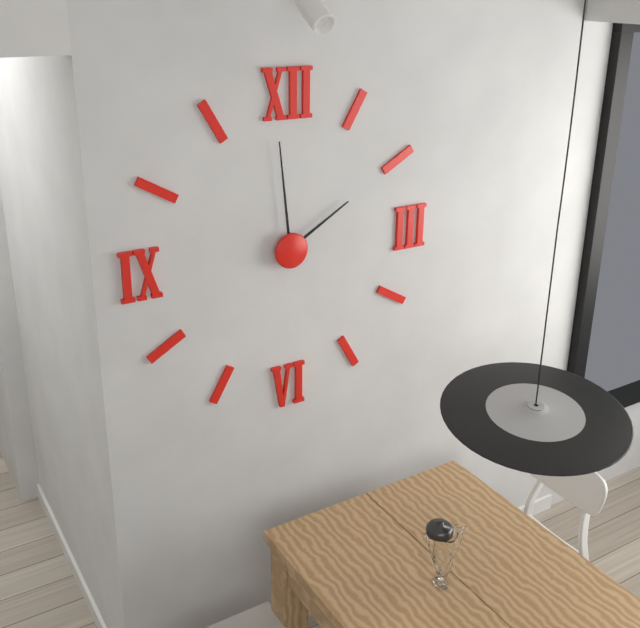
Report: 1:59
